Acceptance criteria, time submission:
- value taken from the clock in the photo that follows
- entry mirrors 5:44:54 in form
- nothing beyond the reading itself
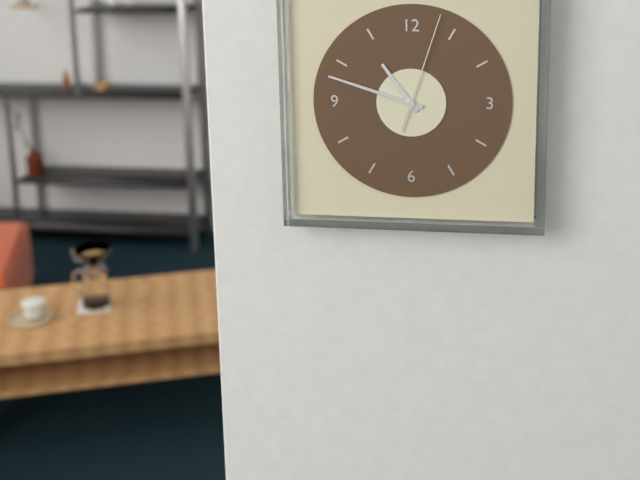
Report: 10:48:03
